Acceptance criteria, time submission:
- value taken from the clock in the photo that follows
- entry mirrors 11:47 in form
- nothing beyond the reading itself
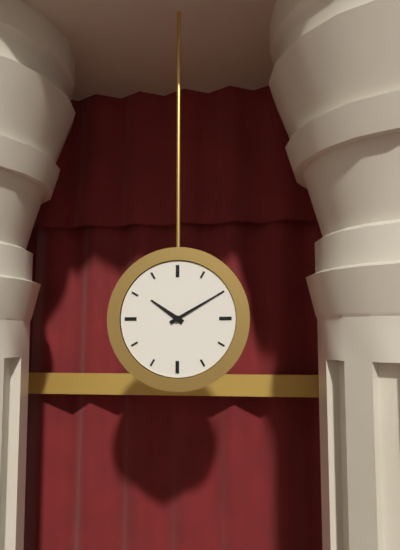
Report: 10:10
